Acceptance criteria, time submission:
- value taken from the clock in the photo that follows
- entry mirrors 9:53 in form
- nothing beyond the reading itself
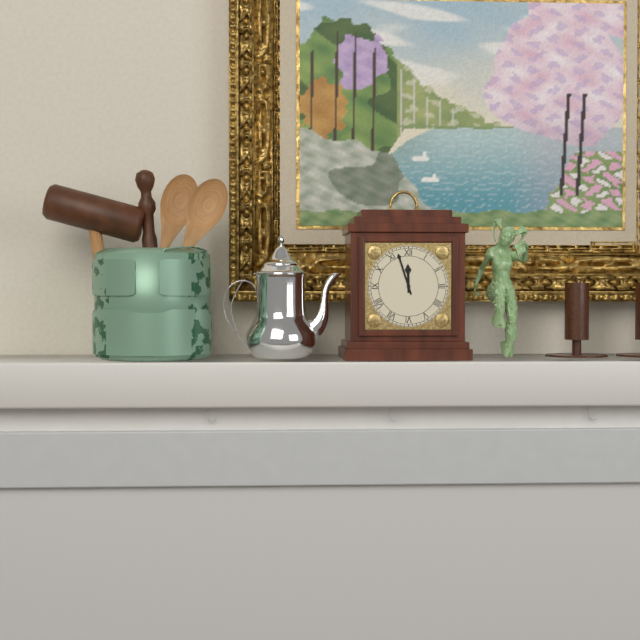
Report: 11:57
